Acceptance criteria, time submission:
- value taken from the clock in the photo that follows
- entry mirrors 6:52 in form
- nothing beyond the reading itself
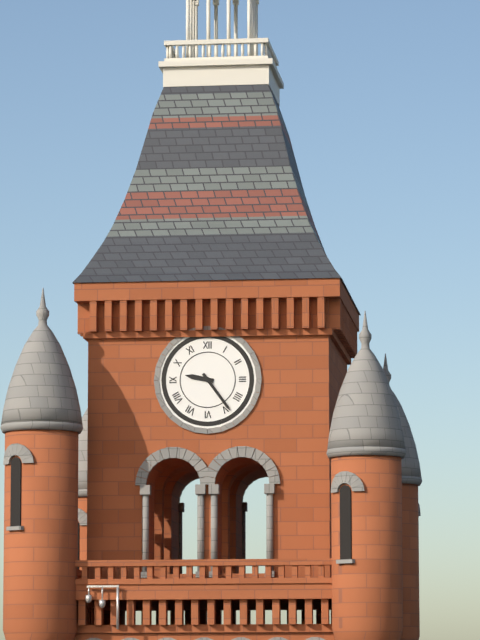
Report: 9:24
